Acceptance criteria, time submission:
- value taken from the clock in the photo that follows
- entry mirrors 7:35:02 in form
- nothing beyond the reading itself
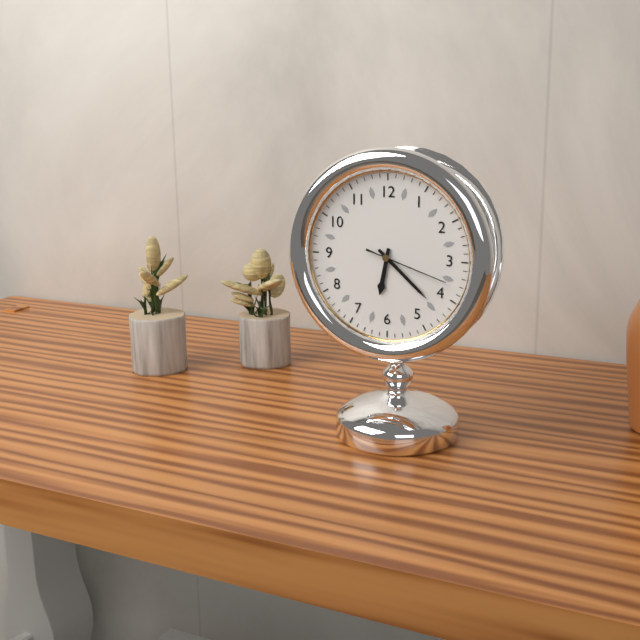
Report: 6:22:18
